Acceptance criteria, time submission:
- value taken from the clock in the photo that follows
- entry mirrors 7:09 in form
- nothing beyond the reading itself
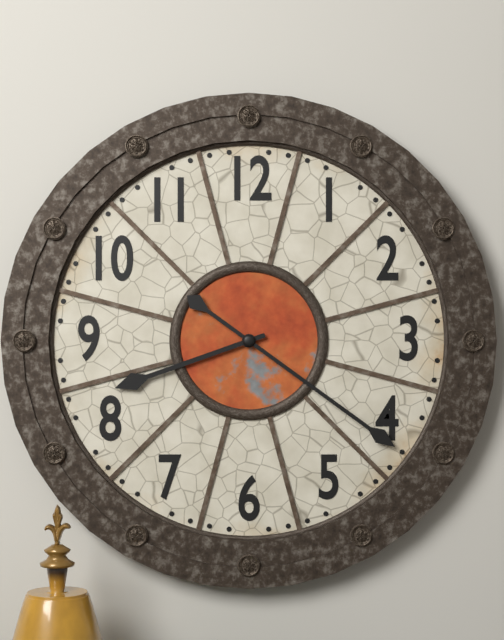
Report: 8:21
